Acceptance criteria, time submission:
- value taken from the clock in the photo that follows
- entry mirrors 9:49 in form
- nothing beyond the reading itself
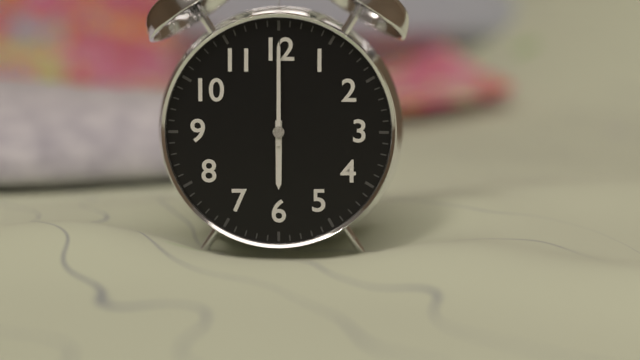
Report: 6:00
